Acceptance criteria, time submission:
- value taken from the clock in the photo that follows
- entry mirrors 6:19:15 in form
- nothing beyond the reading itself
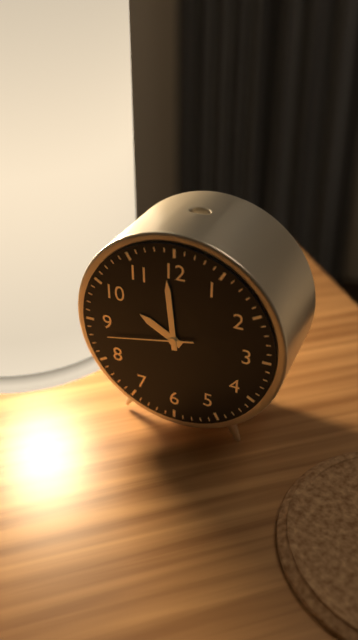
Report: 9:59:43
